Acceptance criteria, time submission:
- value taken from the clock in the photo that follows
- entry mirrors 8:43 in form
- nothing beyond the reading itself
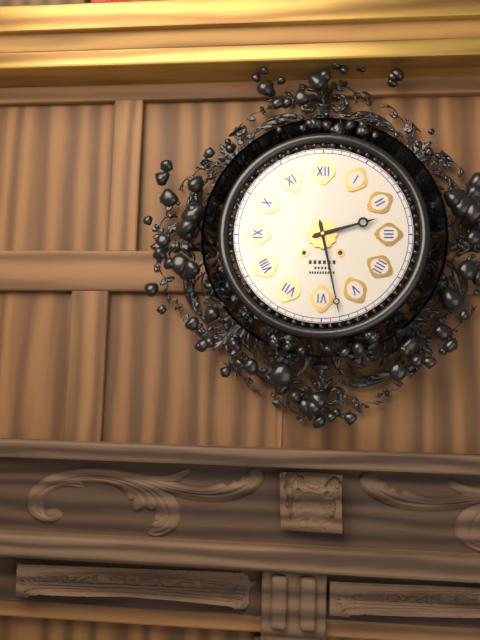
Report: 2:28
